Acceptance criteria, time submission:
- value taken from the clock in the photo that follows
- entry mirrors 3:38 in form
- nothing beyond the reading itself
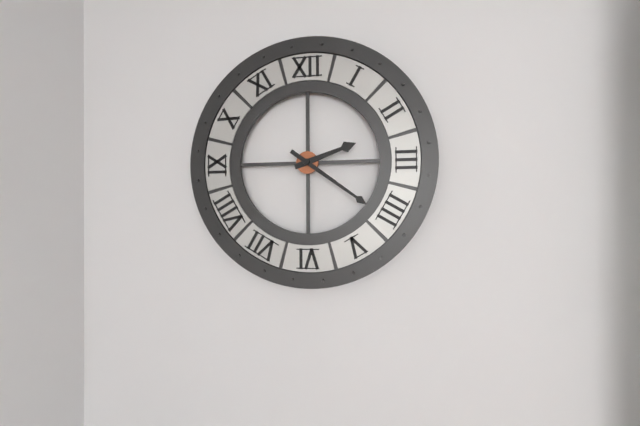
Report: 2:21
